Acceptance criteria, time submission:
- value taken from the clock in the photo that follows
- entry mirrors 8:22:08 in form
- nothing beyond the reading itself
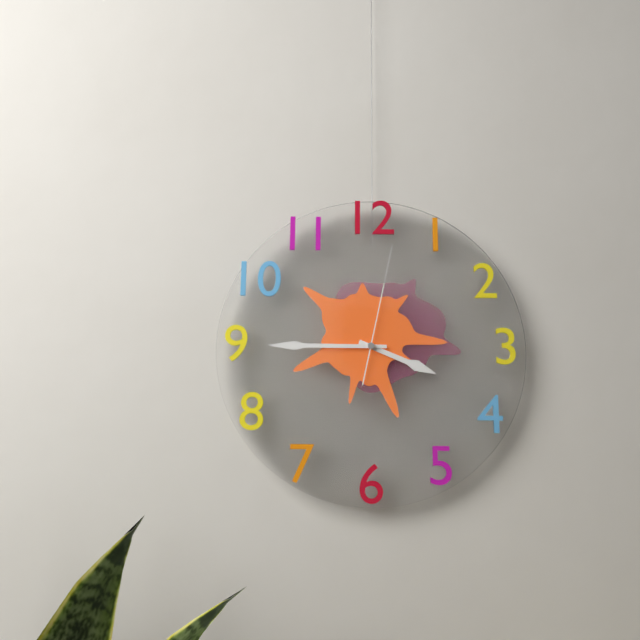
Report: 3:45:02
